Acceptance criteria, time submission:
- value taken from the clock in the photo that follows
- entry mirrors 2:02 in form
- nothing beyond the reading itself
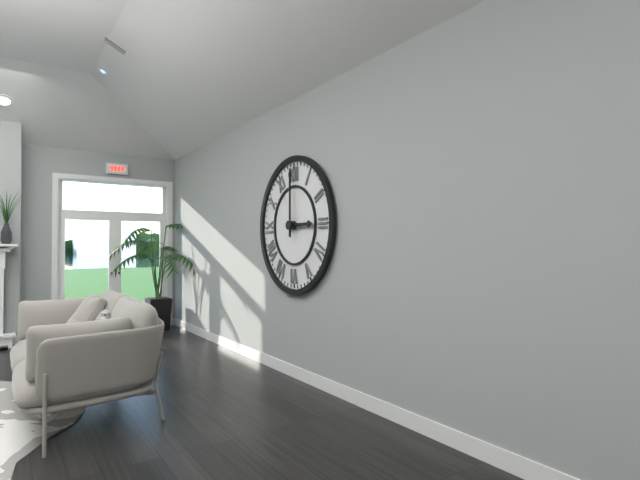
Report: 3:00
